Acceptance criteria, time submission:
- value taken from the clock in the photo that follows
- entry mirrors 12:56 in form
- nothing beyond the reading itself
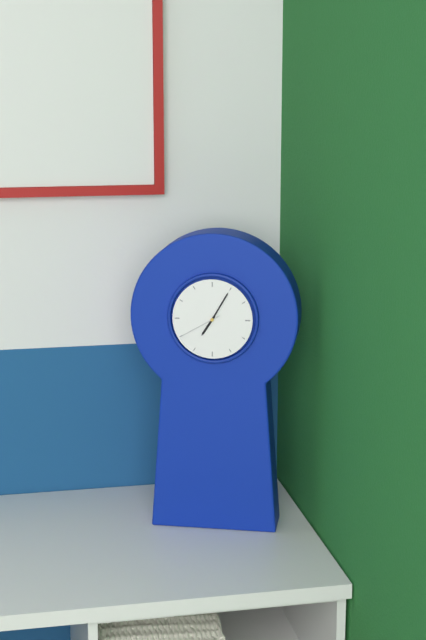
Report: 7:05
